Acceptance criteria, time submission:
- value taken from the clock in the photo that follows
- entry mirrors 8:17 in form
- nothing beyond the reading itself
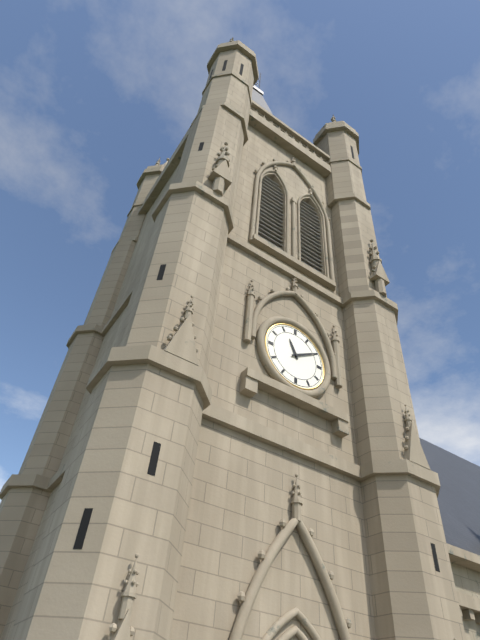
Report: 11:10
